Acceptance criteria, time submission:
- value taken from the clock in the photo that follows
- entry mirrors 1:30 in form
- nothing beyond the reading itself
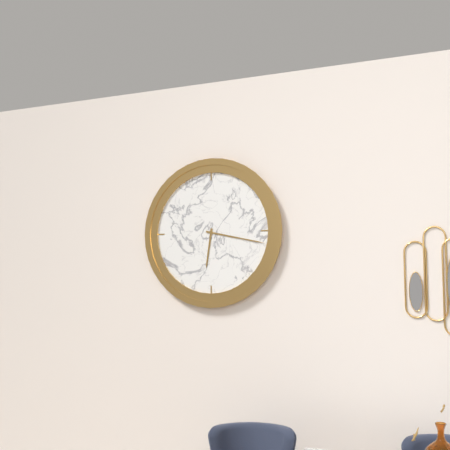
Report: 6:17
